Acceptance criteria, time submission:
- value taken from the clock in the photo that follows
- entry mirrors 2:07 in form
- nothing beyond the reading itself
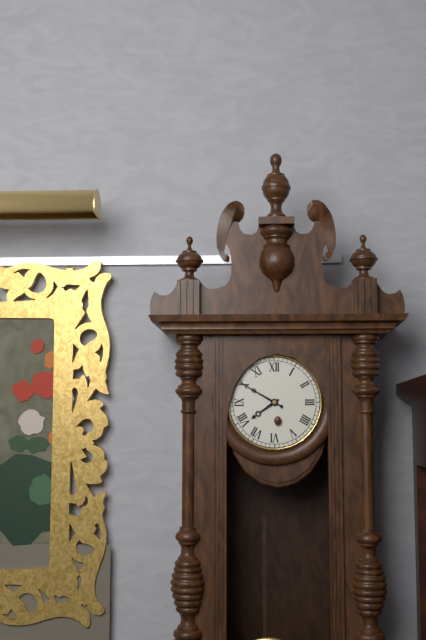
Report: 7:50
